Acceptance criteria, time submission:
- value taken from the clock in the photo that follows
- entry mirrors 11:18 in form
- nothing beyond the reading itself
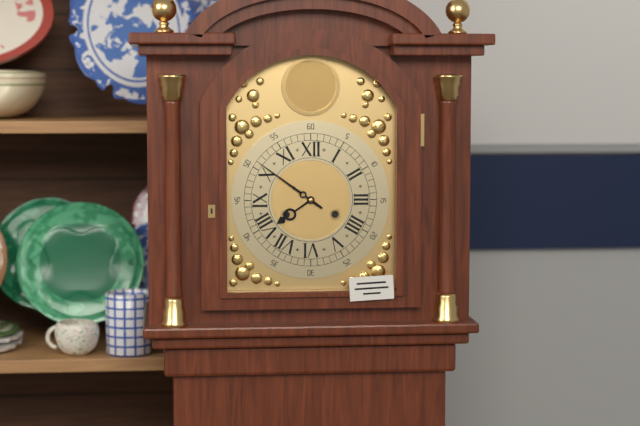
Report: 7:51
